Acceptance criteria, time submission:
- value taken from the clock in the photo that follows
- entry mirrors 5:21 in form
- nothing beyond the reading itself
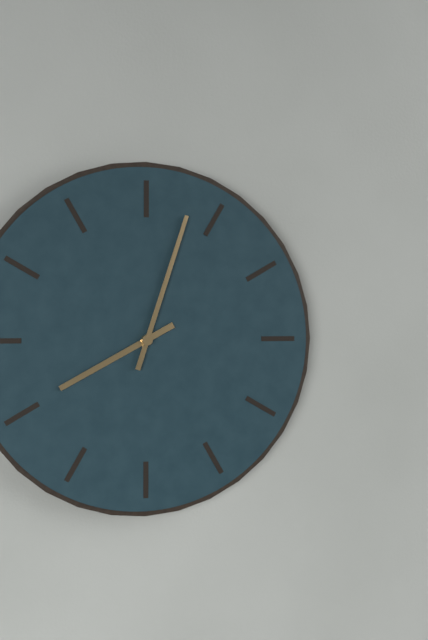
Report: 8:03
